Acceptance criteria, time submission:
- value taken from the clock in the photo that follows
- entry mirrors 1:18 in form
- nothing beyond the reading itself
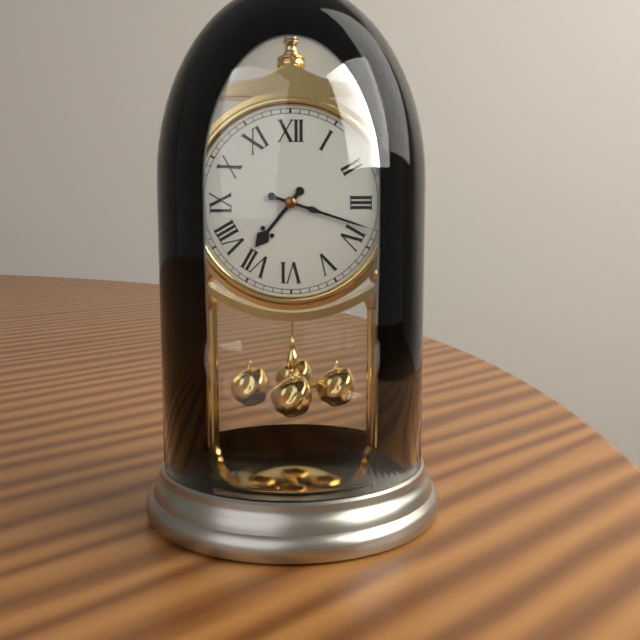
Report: 7:18
